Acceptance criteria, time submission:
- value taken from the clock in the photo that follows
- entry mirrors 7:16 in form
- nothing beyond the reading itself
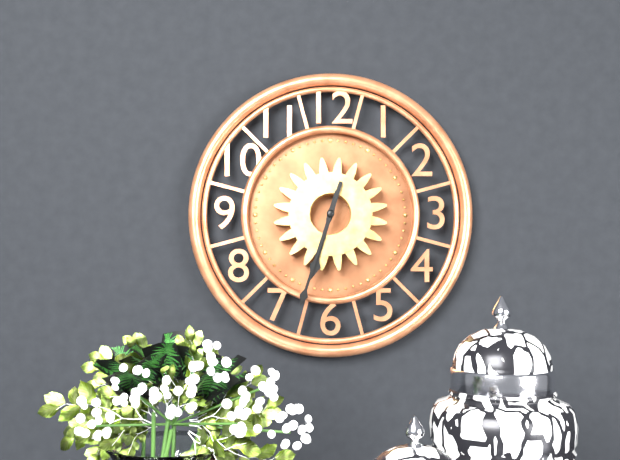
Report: 6:33
